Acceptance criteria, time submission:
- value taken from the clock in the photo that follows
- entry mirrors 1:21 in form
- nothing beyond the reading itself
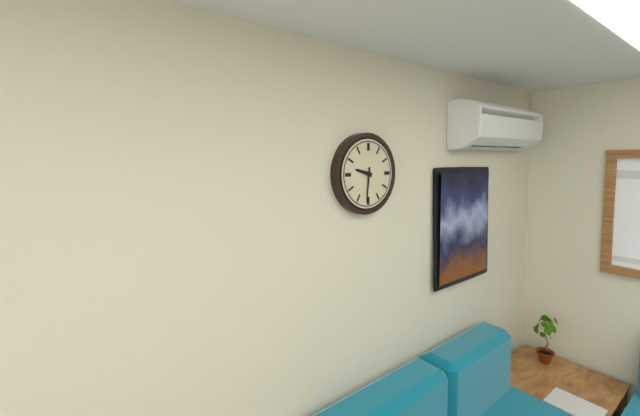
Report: 9:31
